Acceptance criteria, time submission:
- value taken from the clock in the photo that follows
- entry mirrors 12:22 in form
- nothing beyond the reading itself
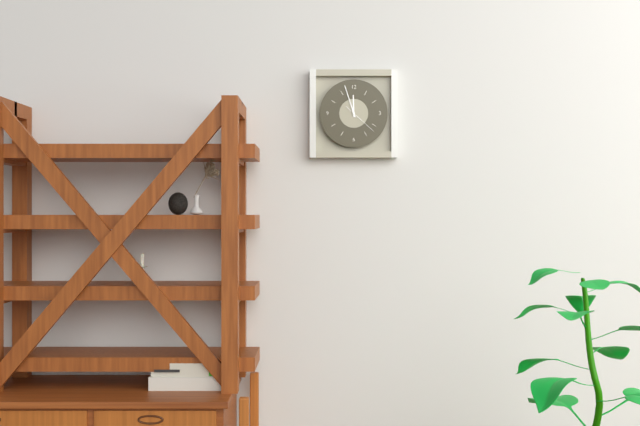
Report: 11:57
